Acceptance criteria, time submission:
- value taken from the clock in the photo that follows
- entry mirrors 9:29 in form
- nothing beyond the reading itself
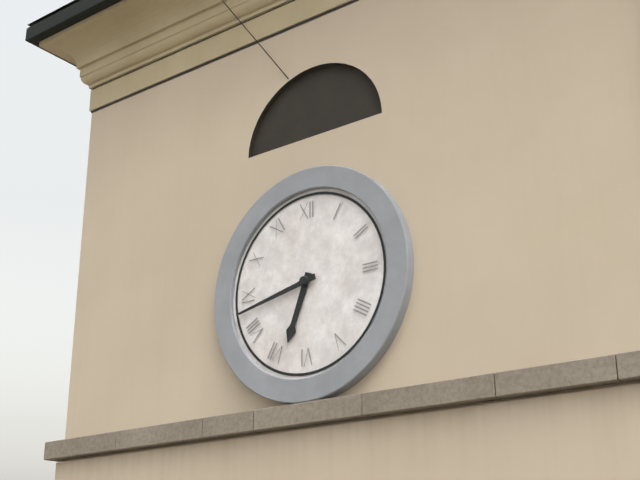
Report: 6:43
